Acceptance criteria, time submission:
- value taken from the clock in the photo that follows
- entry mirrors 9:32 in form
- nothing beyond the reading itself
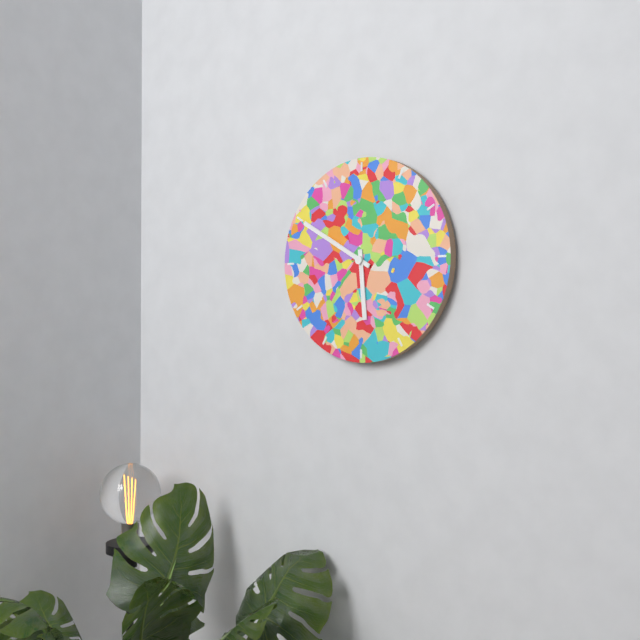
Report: 5:50
